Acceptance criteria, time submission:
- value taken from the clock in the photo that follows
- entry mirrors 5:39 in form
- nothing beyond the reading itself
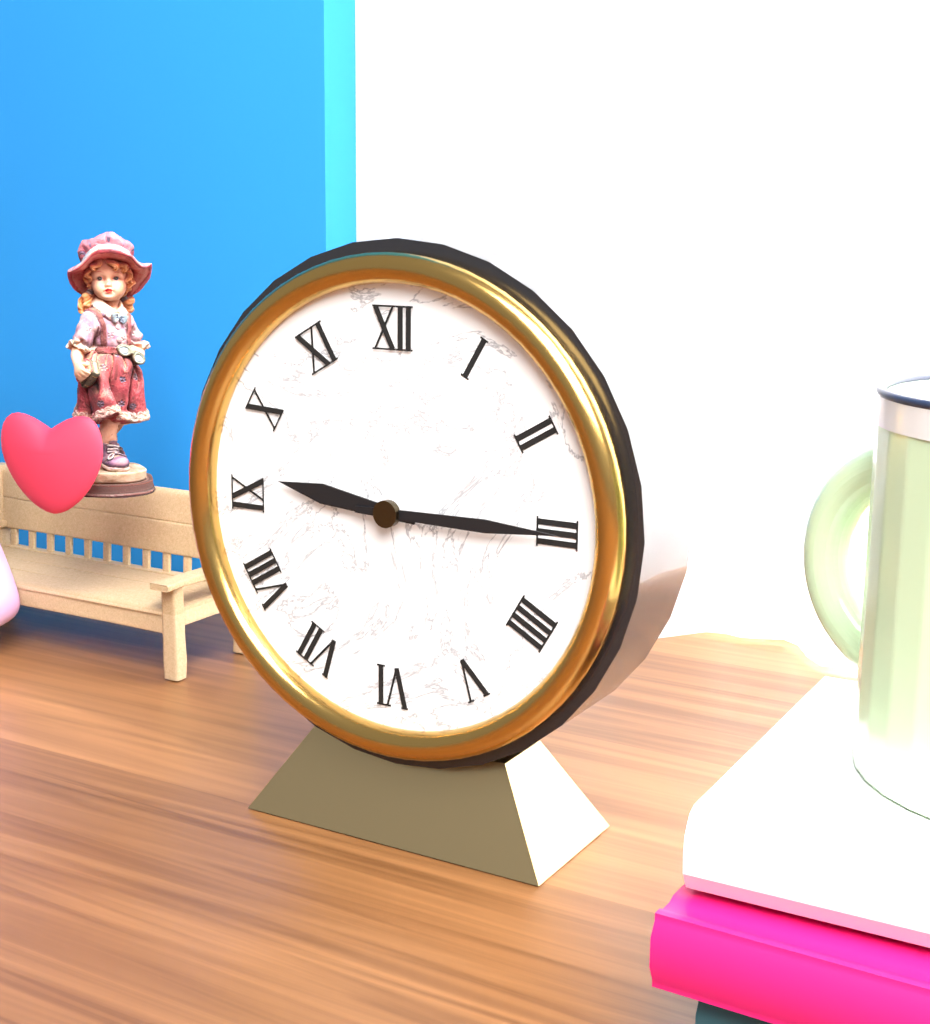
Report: 9:15
